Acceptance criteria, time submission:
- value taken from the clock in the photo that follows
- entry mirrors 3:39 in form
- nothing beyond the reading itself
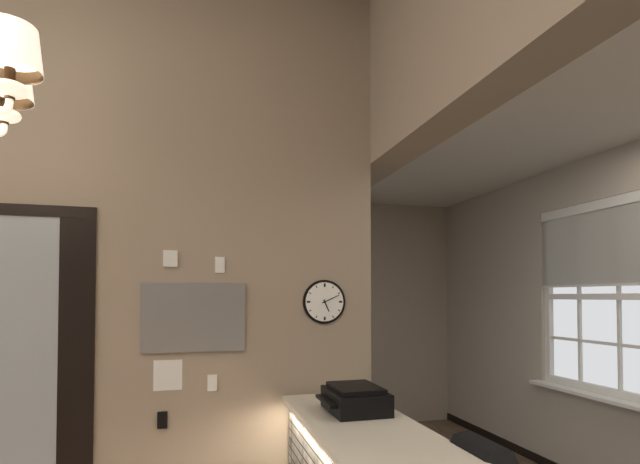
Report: 5:11
